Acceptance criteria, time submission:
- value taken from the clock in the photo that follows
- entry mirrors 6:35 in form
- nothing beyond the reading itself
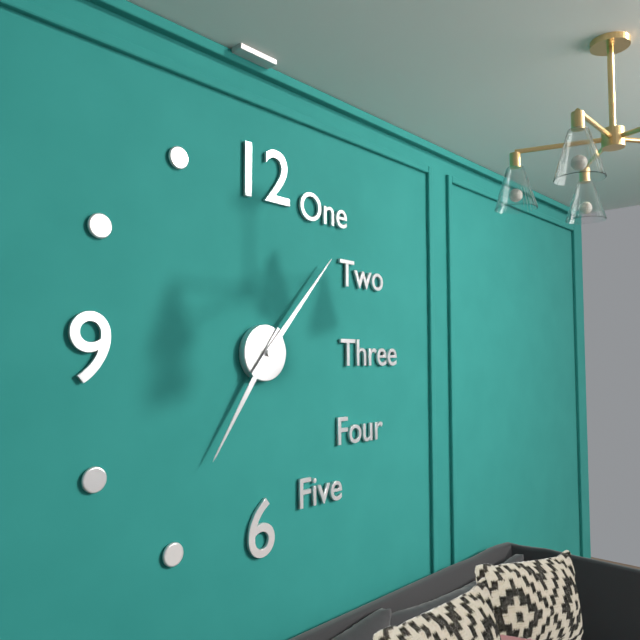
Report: 7:07
